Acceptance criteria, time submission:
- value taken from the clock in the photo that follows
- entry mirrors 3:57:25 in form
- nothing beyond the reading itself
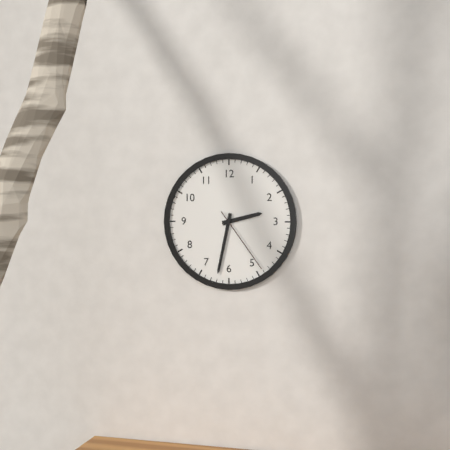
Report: 2:32:24
